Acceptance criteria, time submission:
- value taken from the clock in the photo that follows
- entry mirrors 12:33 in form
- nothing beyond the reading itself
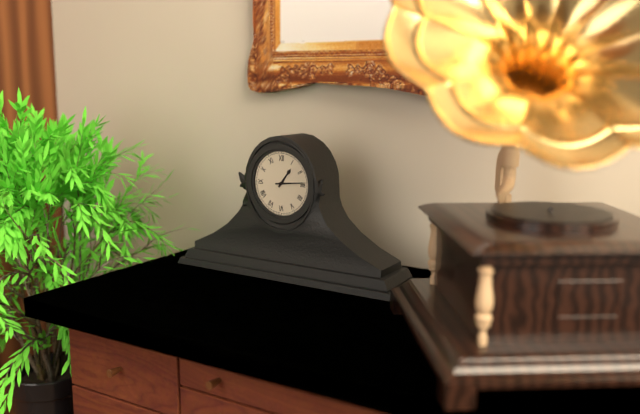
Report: 1:14
